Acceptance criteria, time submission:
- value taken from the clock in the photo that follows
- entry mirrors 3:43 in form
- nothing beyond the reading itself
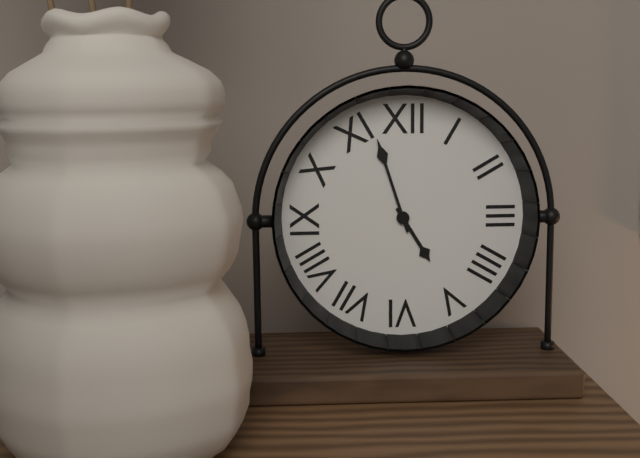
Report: 4:57
